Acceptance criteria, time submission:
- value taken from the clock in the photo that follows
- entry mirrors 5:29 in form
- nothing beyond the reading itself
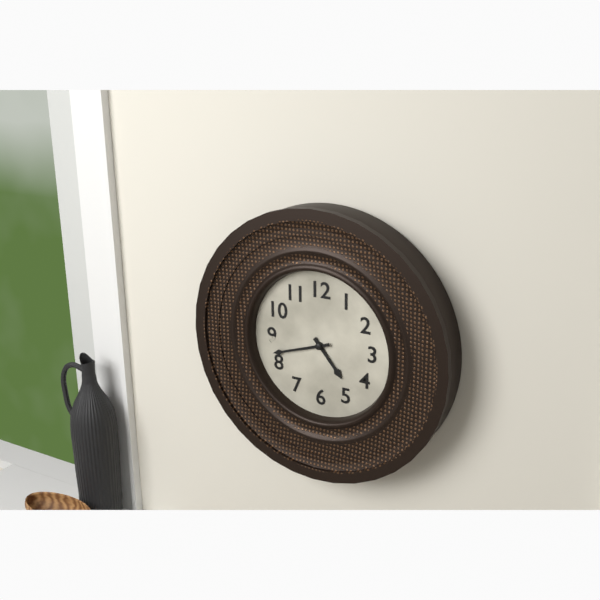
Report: 4:42
